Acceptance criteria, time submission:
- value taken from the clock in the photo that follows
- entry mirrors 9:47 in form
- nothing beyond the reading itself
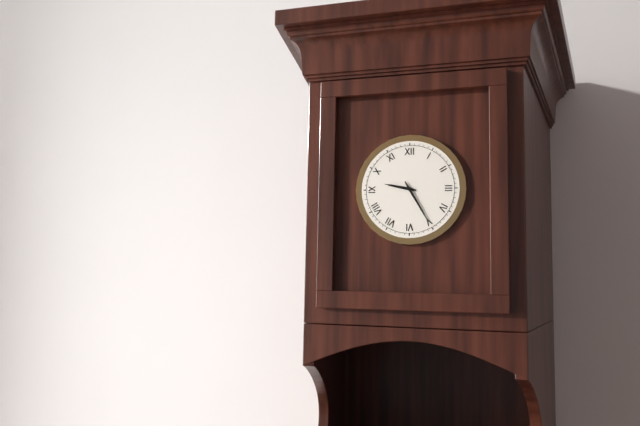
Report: 9:25
